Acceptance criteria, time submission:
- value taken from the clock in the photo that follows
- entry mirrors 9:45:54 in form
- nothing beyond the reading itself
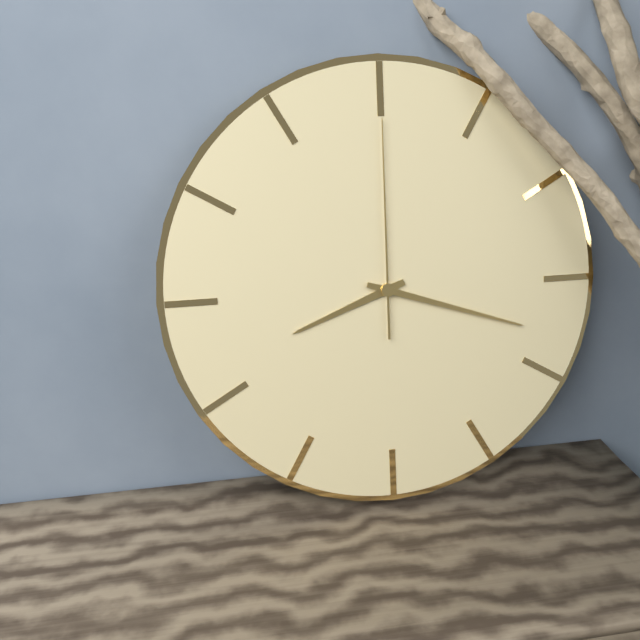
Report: 8:18:00
